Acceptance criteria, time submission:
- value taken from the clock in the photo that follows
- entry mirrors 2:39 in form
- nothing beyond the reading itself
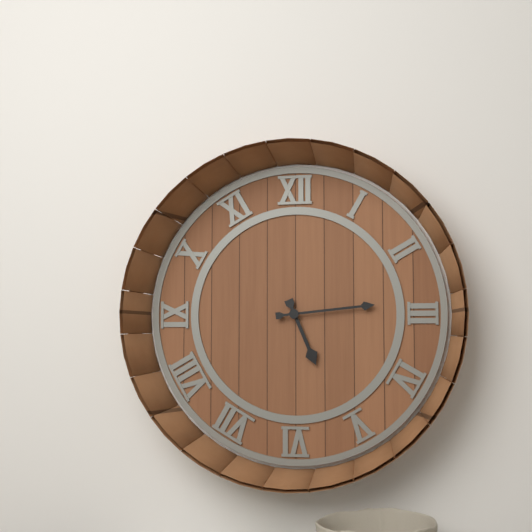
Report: 5:14
